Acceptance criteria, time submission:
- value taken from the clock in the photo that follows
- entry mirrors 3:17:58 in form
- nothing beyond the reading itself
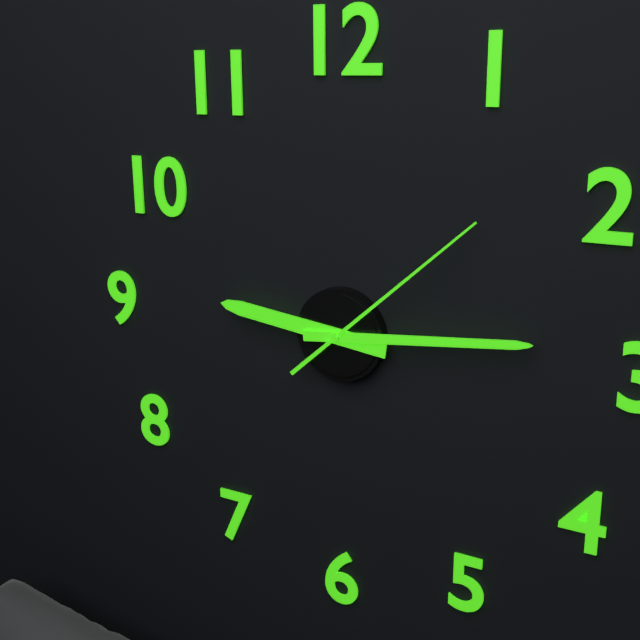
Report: 9:14:08
